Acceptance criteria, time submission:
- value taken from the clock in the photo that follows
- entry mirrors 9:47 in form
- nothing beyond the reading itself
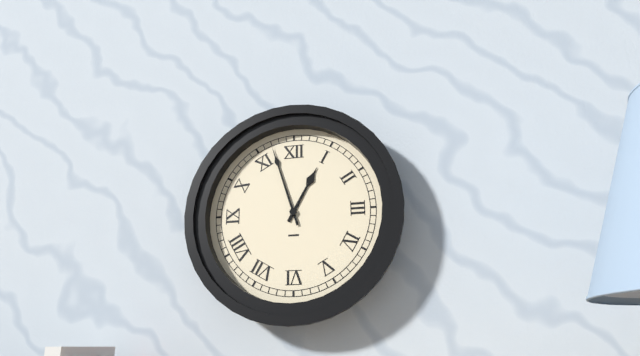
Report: 12:57
